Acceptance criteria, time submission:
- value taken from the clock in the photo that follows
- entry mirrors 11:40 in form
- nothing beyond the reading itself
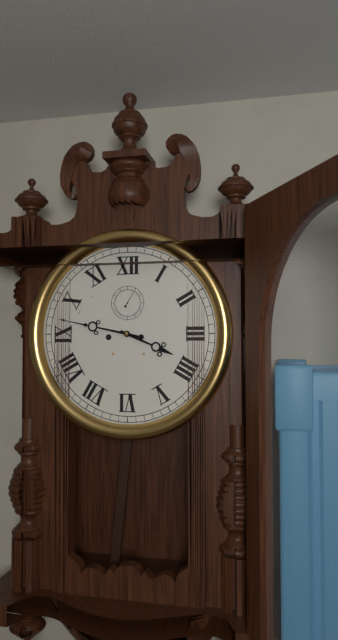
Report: 3:47
